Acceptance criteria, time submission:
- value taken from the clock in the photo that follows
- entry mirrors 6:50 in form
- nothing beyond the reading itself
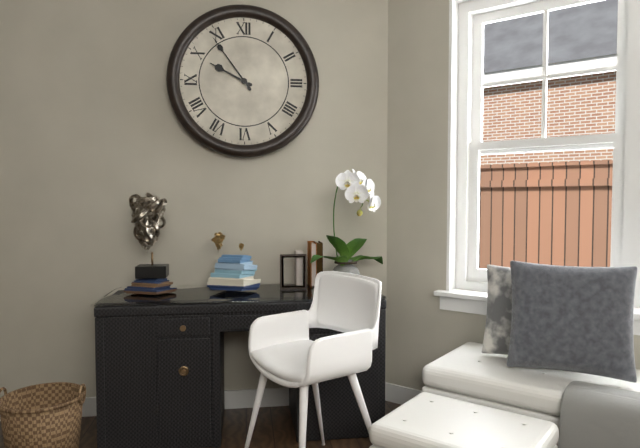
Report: 9:54
